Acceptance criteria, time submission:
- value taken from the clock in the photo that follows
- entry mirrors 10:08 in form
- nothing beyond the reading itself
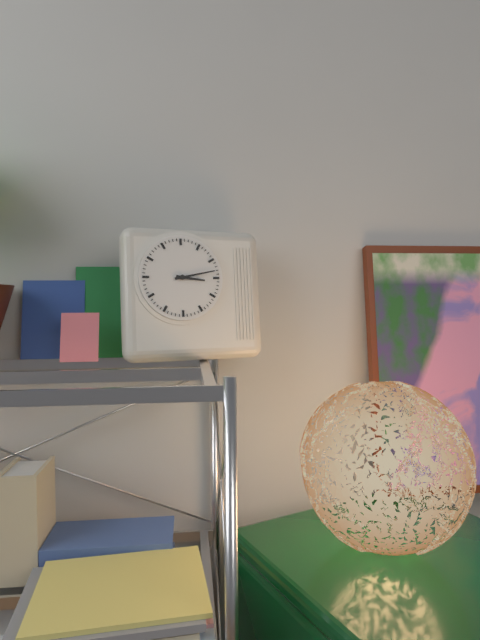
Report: 3:13
